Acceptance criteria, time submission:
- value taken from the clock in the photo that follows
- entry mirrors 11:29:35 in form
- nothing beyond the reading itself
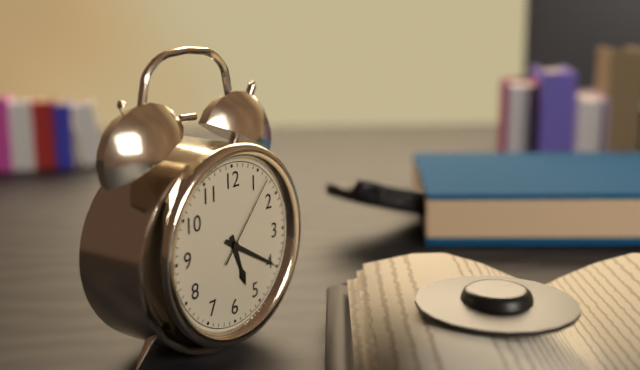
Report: 5:20:07
